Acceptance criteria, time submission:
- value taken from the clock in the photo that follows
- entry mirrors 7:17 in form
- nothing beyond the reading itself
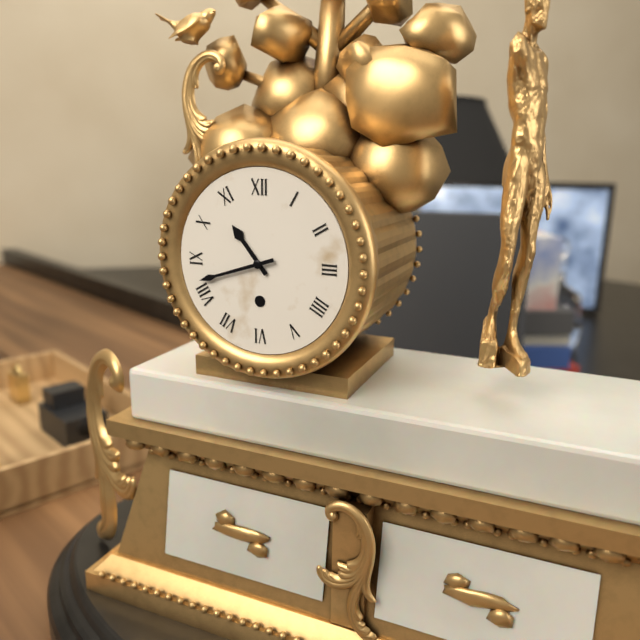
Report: 10:42
